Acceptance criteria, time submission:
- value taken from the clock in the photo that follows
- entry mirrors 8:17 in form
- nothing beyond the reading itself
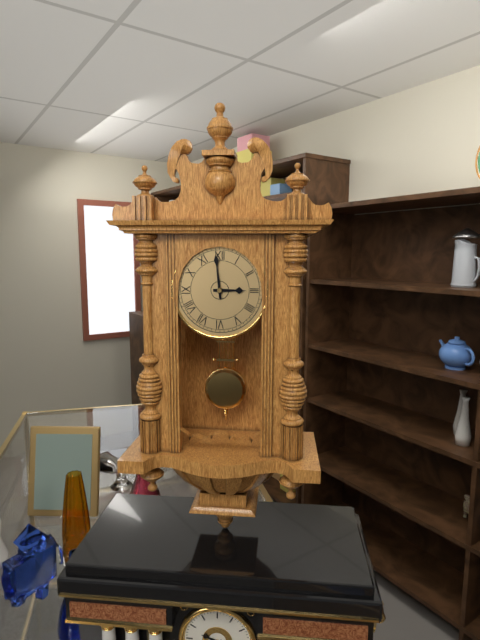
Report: 2:59
